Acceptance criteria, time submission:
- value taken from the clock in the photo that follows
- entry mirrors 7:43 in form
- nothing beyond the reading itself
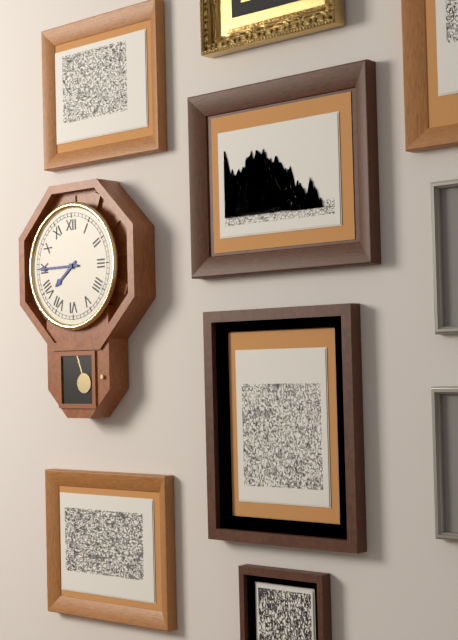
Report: 7:45
